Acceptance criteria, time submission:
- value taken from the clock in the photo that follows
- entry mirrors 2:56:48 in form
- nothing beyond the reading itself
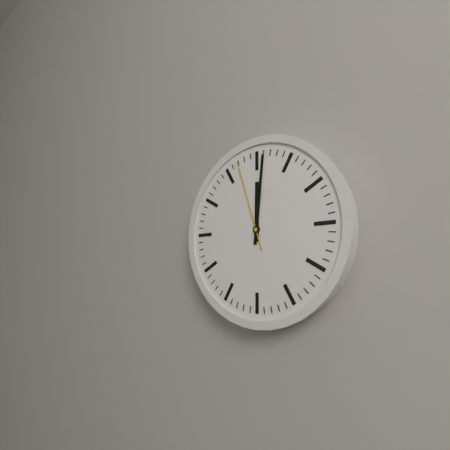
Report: 12:01:57
